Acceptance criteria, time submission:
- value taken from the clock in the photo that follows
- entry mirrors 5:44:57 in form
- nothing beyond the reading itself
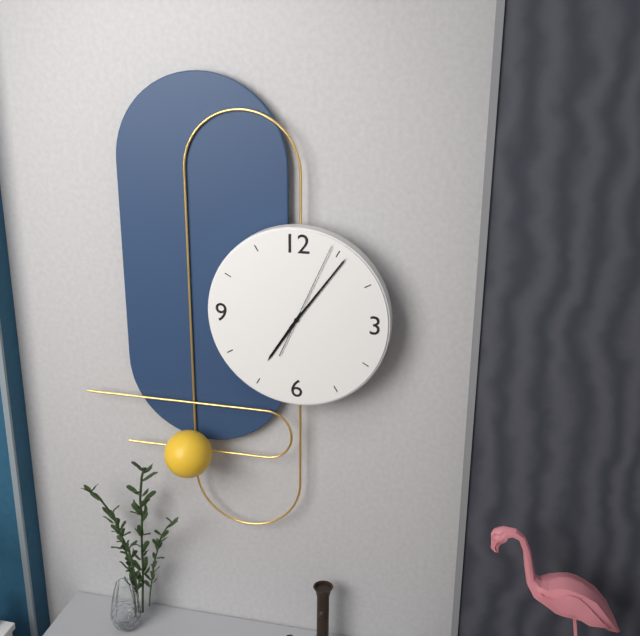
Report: 7:06:04
